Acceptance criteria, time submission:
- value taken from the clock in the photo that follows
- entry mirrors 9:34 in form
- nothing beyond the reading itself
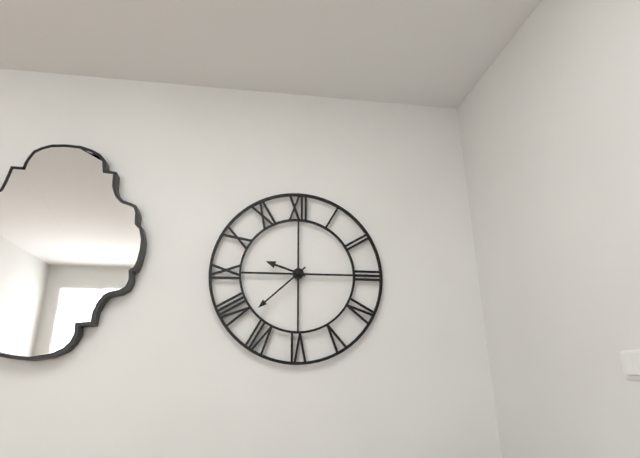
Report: 9:38
